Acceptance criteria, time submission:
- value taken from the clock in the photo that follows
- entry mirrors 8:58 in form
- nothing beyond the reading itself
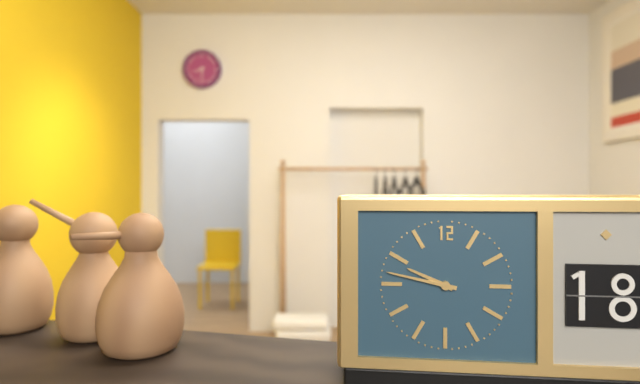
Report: 9:47
